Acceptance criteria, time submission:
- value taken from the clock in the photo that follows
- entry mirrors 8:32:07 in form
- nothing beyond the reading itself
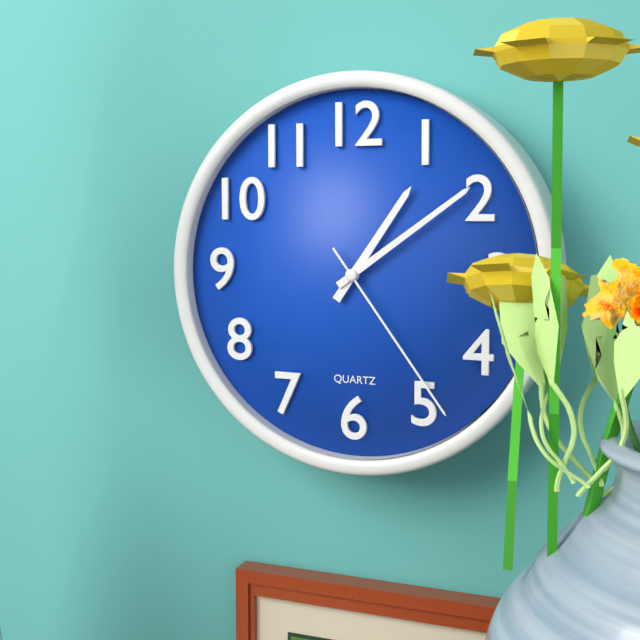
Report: 1:09:24
